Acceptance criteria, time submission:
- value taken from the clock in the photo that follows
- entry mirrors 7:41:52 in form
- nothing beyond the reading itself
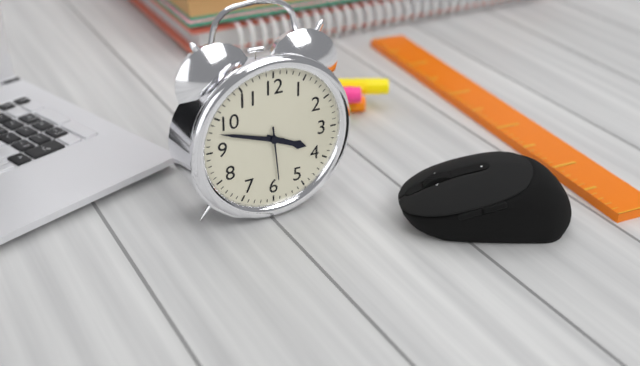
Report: 3:48:29
